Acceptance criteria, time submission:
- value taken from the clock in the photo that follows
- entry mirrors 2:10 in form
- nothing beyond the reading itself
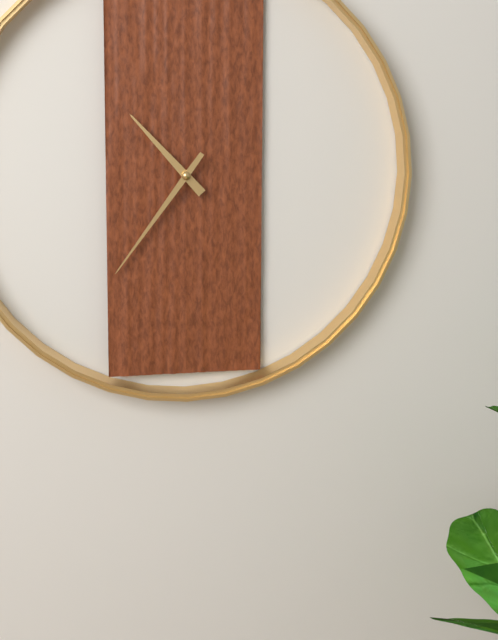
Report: 10:36
